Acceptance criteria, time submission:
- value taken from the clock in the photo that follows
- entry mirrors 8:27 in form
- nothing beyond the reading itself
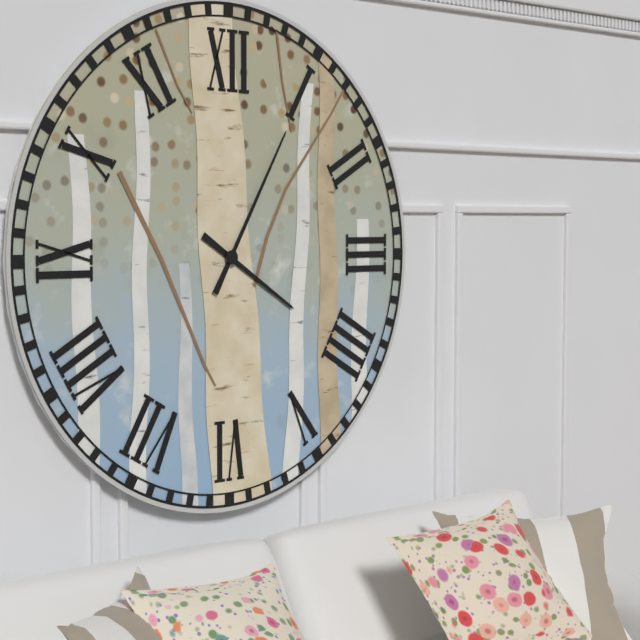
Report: 4:05
